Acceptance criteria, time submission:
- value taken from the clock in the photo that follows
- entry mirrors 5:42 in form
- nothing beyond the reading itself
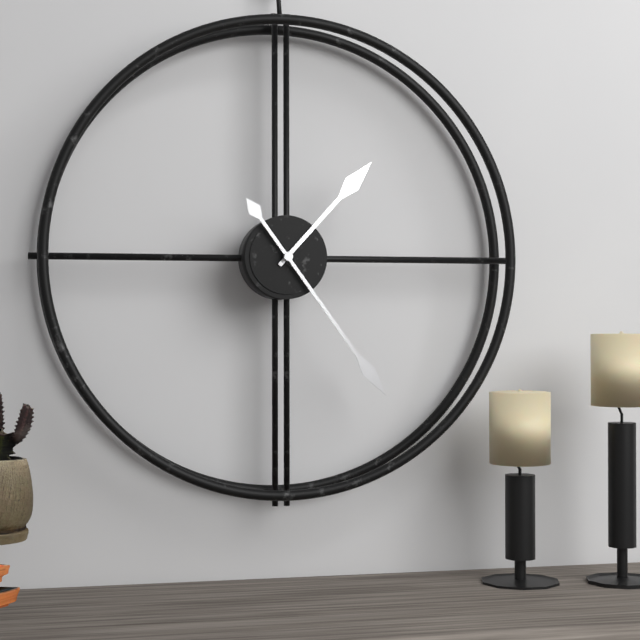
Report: 1:24
